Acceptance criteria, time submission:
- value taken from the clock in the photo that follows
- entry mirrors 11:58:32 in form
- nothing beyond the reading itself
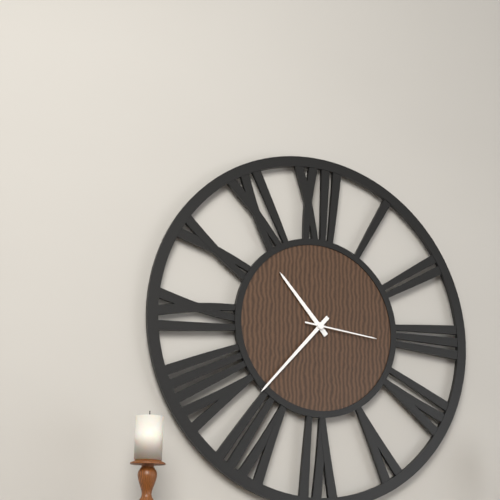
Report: 10:37:16
